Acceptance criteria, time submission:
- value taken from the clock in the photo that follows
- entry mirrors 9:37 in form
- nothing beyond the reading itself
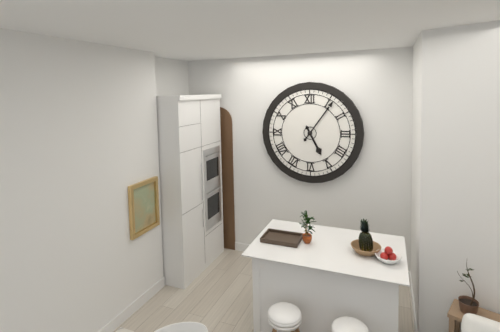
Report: 5:06
